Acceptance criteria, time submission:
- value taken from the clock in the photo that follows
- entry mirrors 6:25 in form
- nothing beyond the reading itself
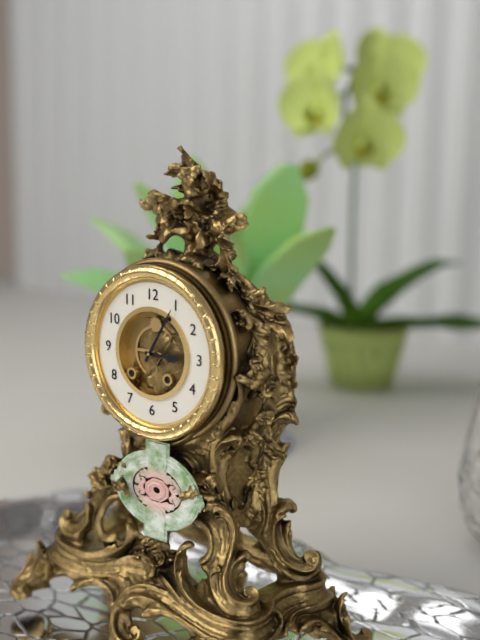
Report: 3:05
